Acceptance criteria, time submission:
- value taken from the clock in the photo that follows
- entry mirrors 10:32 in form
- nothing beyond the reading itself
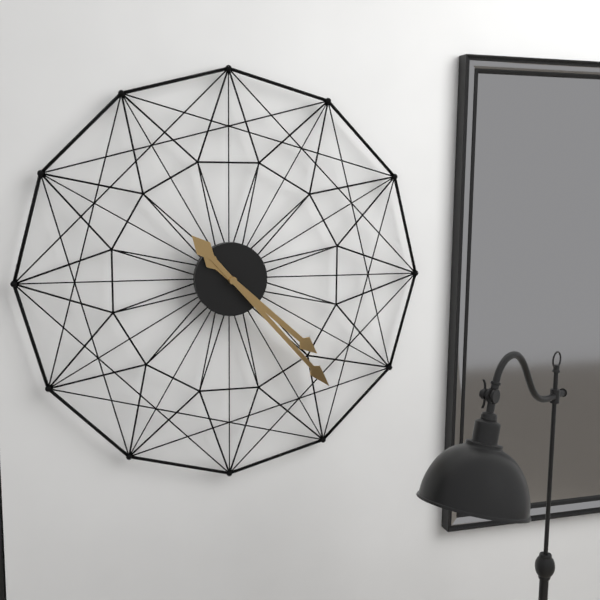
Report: 4:23
